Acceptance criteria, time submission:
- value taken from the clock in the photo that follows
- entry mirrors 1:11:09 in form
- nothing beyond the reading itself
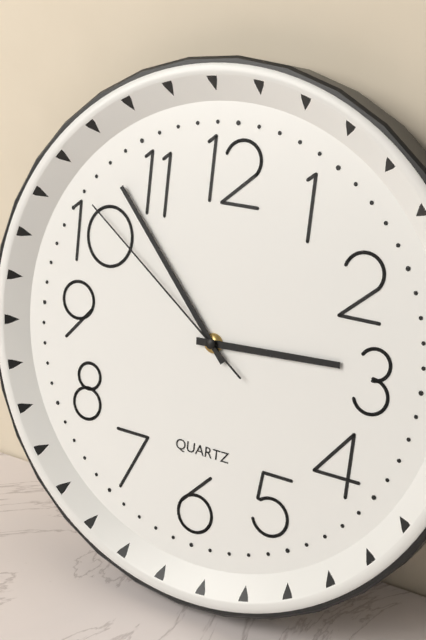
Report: 2:53:51
